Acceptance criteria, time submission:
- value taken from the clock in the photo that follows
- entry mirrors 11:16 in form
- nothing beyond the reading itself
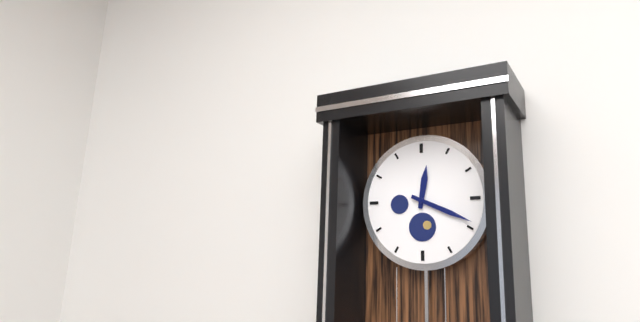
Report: 12:19
